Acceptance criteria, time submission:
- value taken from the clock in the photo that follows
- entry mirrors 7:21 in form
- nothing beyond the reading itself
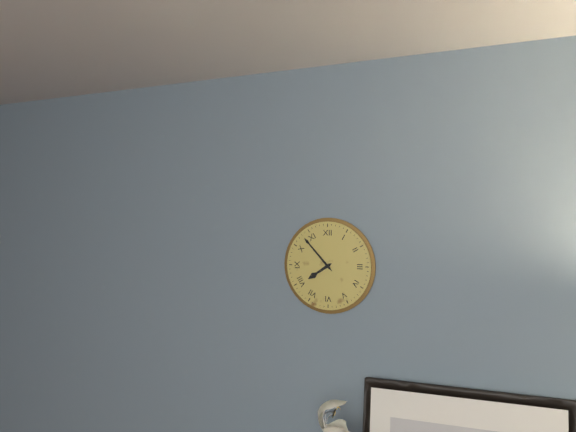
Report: 7:53
